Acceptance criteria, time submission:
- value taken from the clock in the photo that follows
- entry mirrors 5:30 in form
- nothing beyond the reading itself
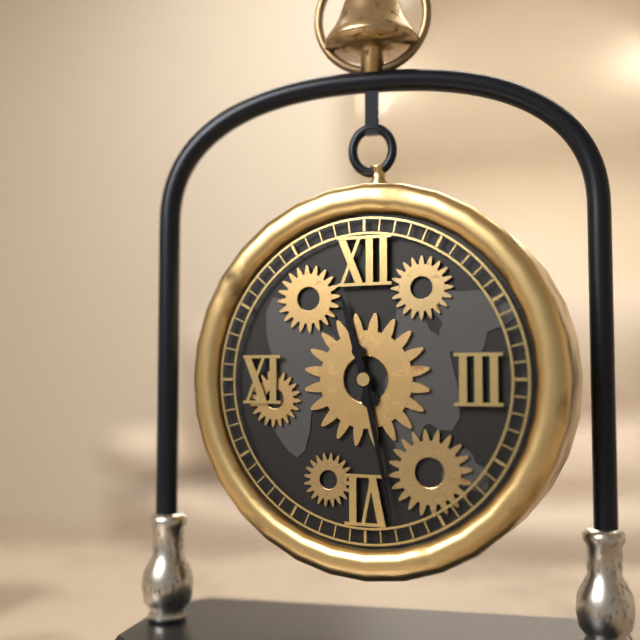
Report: 11:28
